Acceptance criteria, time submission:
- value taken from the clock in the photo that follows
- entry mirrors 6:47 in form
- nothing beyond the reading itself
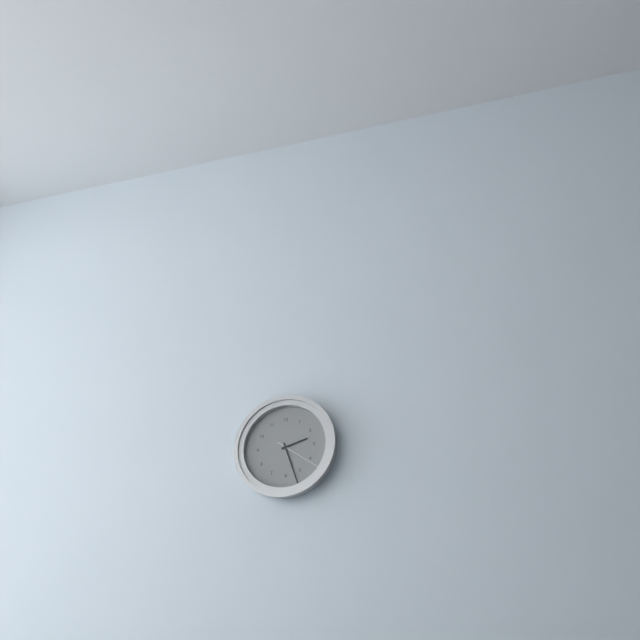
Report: 2:27
